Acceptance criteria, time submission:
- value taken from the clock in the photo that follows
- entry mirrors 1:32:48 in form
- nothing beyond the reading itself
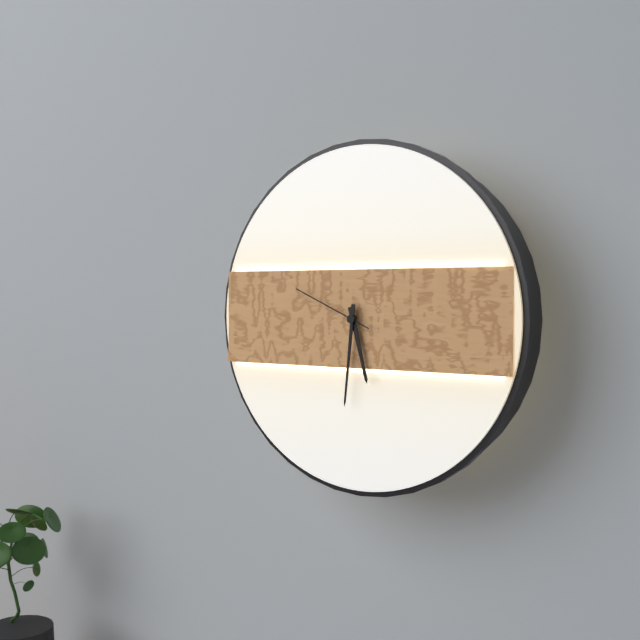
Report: 5:31:49
